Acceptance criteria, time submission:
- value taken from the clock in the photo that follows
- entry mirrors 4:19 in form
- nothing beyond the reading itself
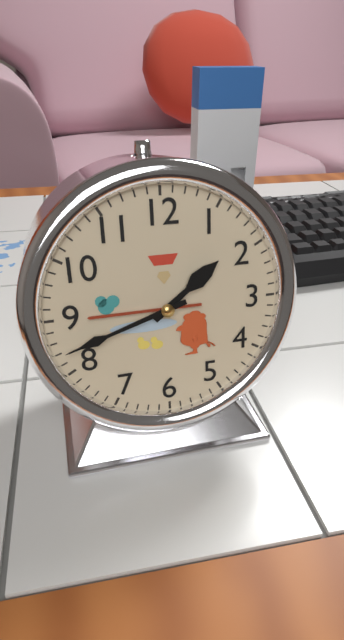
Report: 1:42
